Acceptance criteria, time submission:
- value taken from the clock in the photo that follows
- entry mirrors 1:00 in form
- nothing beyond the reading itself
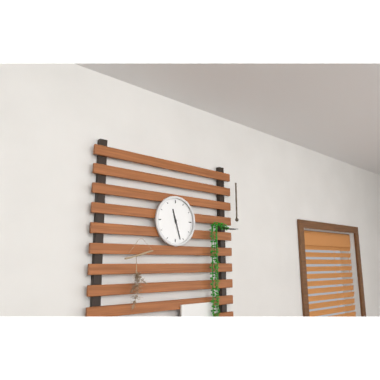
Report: 11:27
